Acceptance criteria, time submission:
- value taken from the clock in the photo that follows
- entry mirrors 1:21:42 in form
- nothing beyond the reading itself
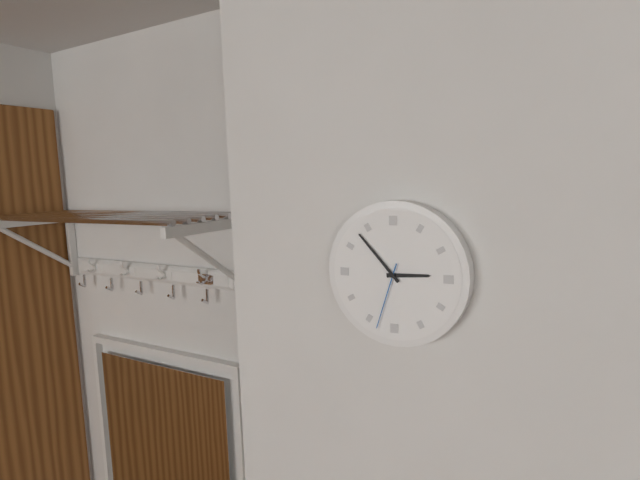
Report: 2:53:33
